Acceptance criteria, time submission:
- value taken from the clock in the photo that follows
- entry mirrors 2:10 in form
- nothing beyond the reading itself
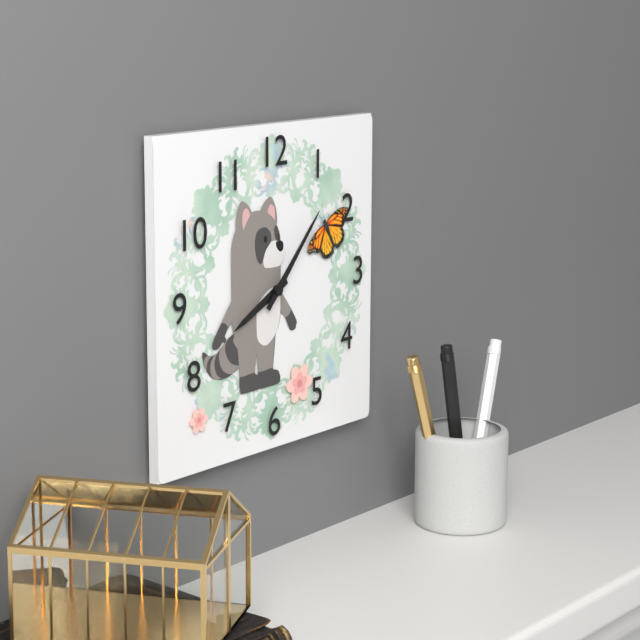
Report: 8:07
